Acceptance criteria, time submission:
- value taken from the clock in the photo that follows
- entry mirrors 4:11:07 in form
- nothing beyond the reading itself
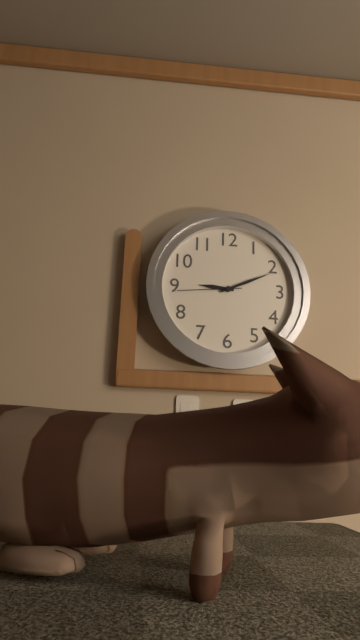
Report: 9:11:44
